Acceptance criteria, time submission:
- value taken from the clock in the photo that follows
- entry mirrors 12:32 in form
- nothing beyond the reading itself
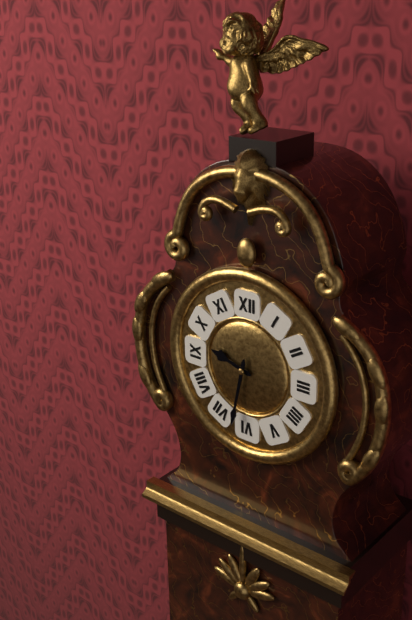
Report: 9:32
